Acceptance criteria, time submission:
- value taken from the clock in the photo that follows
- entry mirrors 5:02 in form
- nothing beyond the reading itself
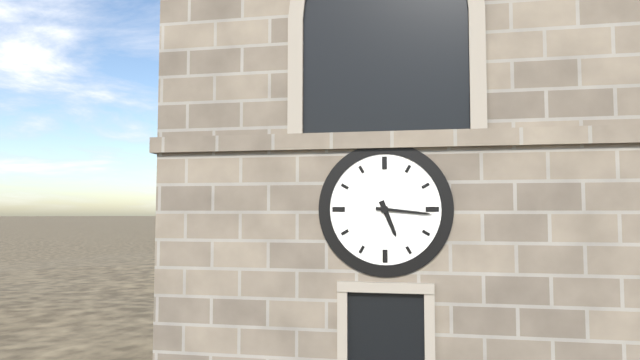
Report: 5:16
